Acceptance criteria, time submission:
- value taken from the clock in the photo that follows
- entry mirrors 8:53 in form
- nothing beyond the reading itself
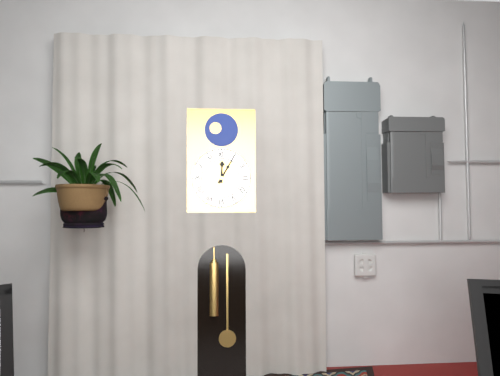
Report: 12:05
